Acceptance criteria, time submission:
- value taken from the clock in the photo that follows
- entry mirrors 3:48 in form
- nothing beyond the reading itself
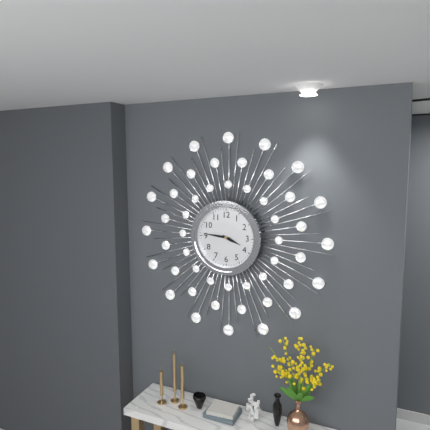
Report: 3:46
